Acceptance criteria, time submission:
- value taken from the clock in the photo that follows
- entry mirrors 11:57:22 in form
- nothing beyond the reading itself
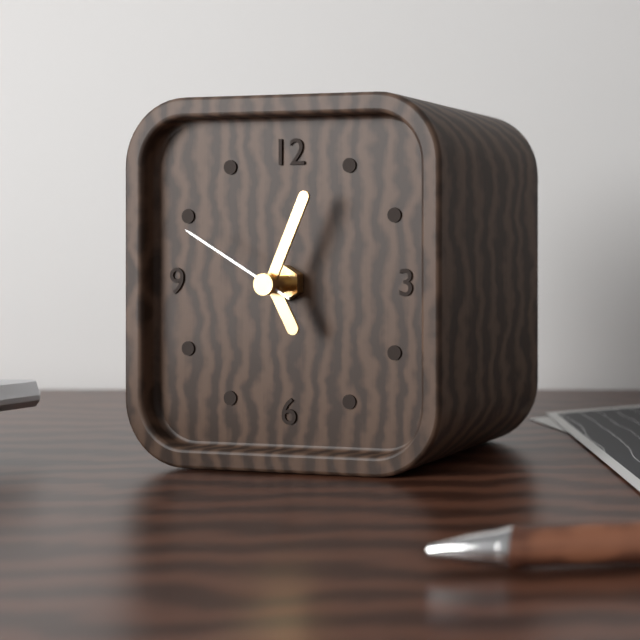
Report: 5:04:50
